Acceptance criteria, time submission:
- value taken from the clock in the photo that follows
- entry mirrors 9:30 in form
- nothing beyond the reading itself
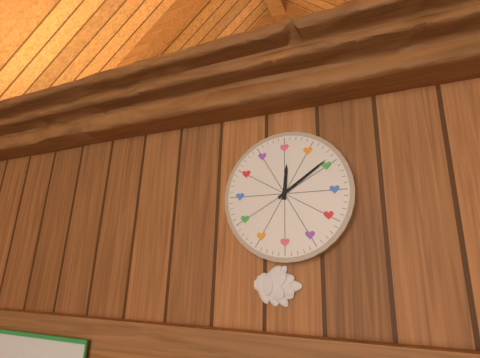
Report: 12:09
